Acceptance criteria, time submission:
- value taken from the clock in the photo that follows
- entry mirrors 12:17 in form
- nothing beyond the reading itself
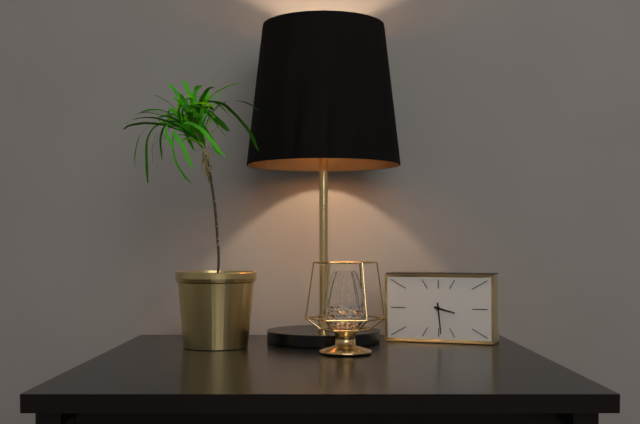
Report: 3:29
